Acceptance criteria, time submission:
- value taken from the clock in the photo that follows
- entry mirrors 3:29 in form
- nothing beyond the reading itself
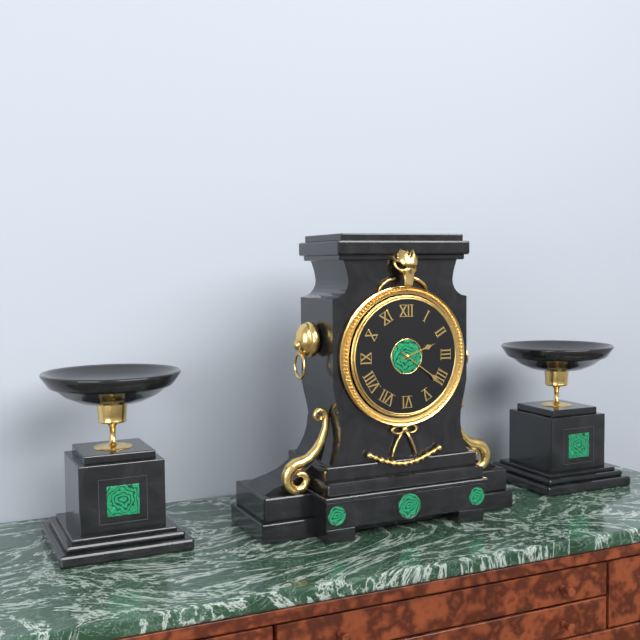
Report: 2:21
